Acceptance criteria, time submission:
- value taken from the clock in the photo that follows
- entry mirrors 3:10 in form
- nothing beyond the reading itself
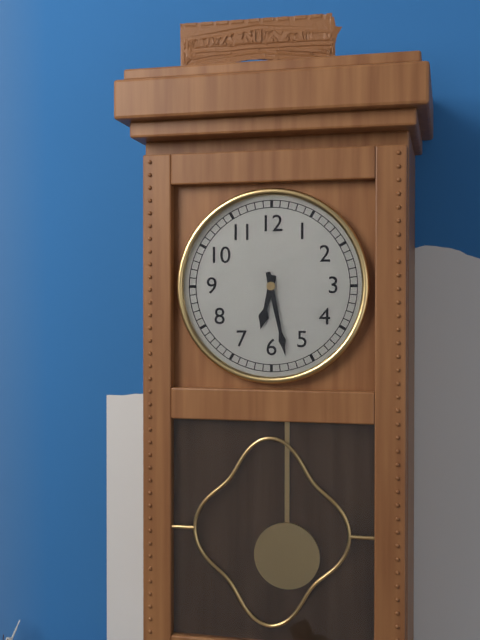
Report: 6:28
